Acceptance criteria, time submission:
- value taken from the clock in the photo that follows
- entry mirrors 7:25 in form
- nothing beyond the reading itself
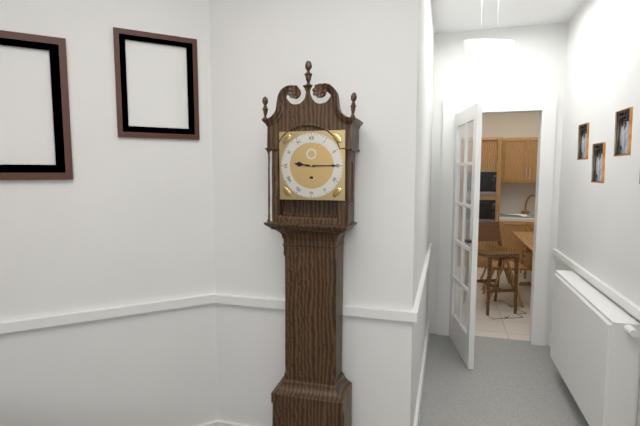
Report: 9:15
